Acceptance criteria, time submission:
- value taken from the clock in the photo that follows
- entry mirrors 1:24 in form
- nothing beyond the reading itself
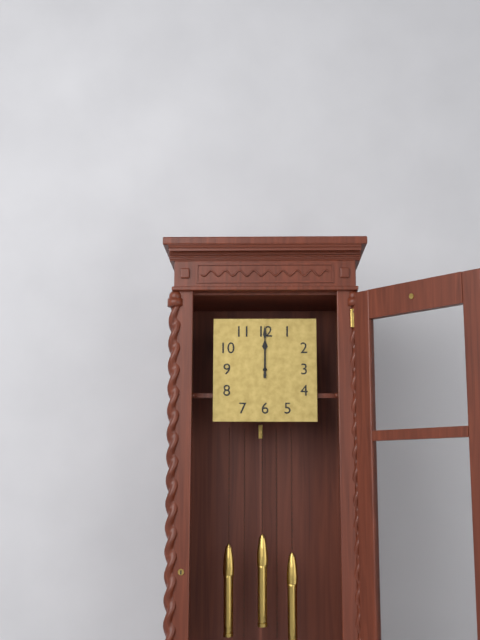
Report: 12:00
